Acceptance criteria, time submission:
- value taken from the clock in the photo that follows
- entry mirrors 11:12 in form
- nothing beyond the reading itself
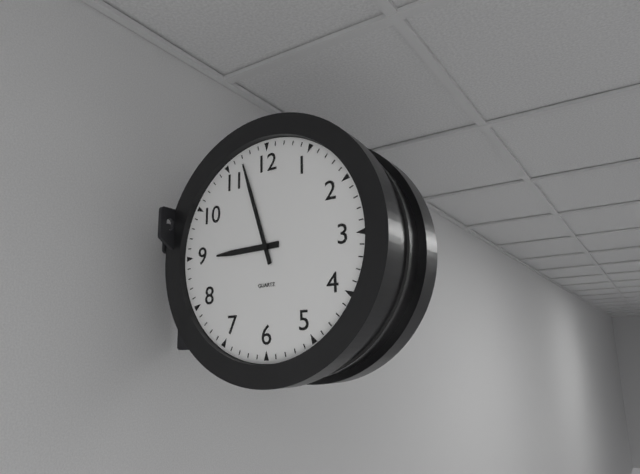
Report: 8:57
